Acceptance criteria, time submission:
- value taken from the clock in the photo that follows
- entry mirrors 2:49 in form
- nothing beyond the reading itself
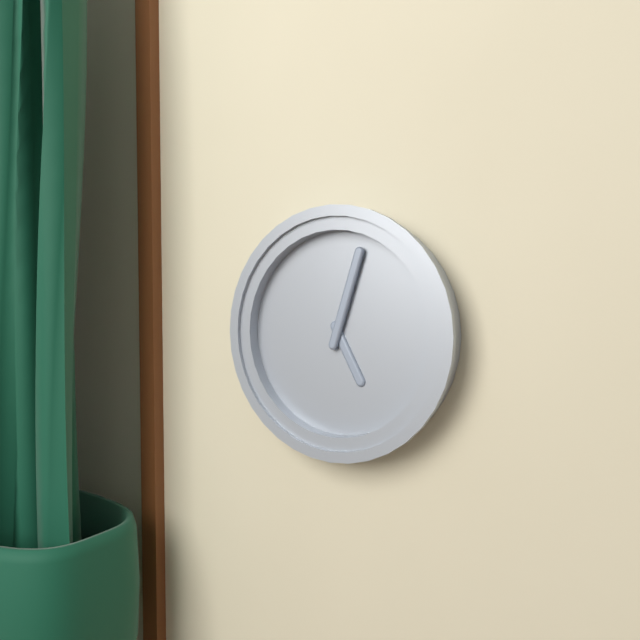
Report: 5:03
